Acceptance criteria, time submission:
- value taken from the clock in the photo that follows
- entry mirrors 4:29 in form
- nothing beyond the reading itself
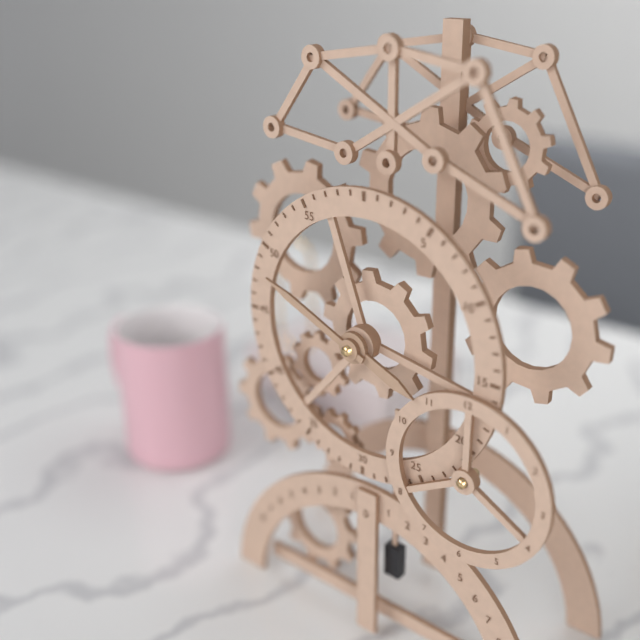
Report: 3:49
